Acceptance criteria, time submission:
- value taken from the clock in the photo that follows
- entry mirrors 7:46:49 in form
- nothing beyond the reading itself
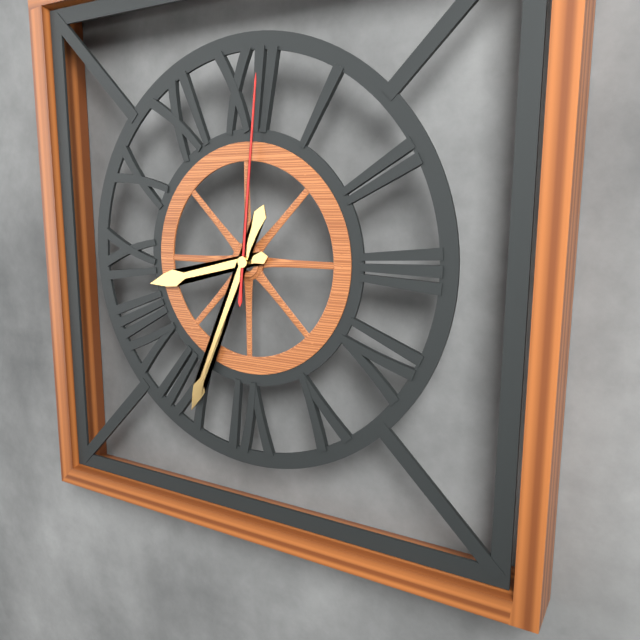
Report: 8:34:01
